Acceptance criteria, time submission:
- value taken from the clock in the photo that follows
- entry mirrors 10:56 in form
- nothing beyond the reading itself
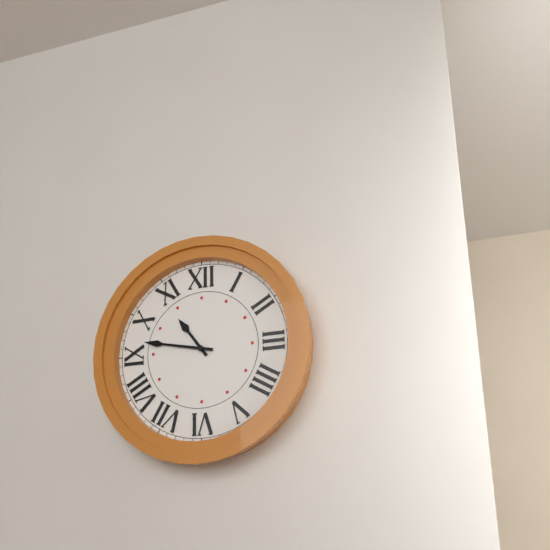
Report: 10:47
